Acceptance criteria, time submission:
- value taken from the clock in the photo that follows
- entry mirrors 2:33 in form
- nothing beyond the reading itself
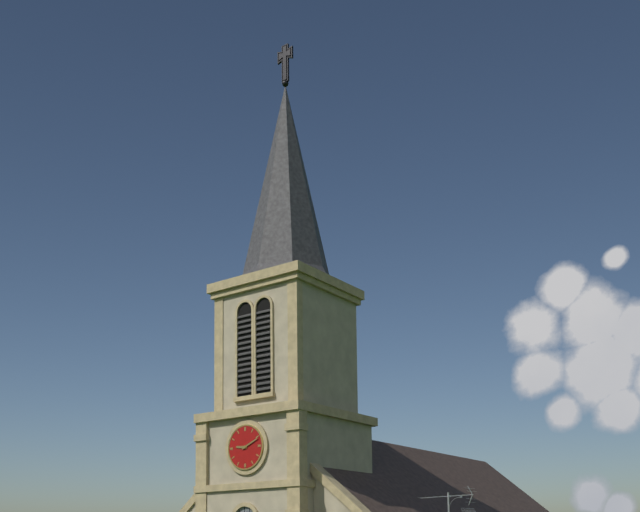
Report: 9:11
